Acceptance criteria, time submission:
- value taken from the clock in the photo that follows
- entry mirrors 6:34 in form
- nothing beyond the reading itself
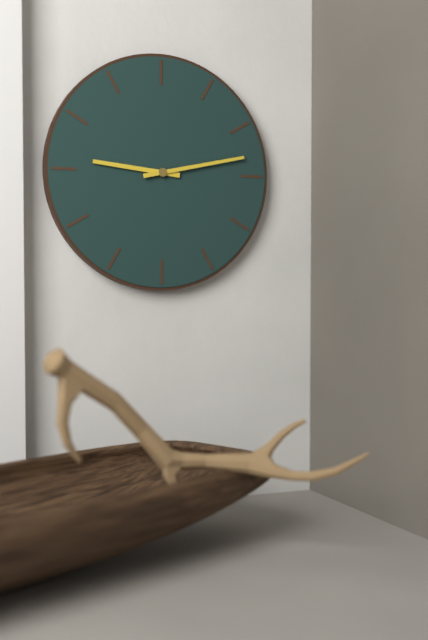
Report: 9:13
